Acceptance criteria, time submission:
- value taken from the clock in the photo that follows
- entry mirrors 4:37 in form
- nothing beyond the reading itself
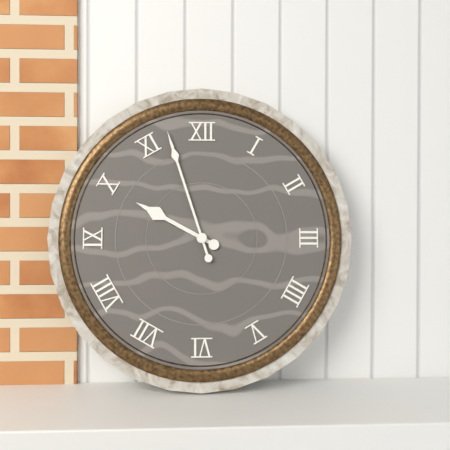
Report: 9:57
